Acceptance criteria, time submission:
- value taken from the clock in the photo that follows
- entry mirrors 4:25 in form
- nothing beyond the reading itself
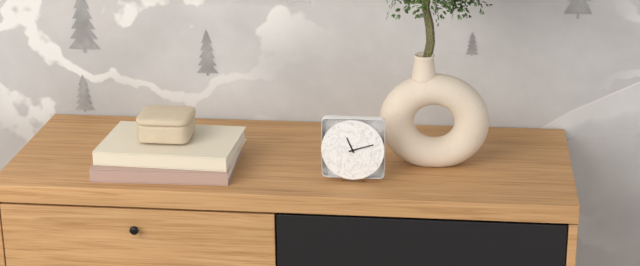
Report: 11:12
